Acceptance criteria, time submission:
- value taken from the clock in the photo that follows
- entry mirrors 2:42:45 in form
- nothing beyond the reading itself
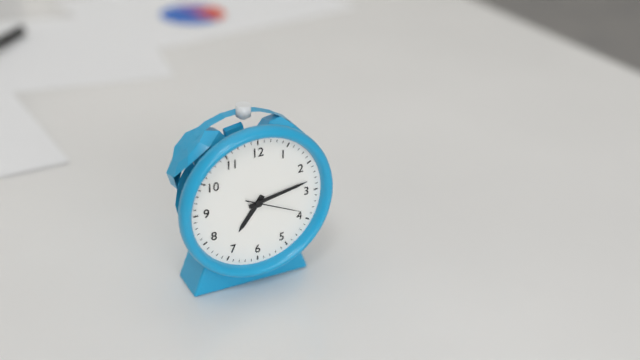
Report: 7:13:19
